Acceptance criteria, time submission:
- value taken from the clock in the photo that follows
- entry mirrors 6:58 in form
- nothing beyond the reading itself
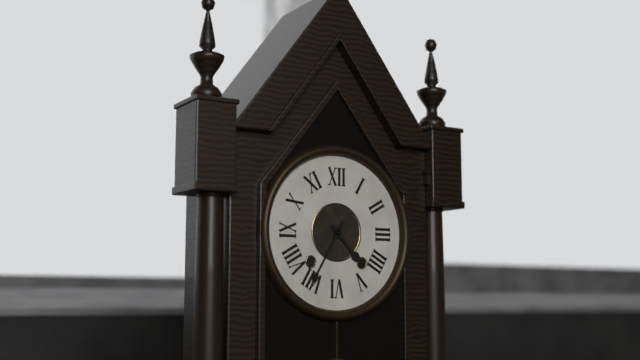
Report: 4:35
